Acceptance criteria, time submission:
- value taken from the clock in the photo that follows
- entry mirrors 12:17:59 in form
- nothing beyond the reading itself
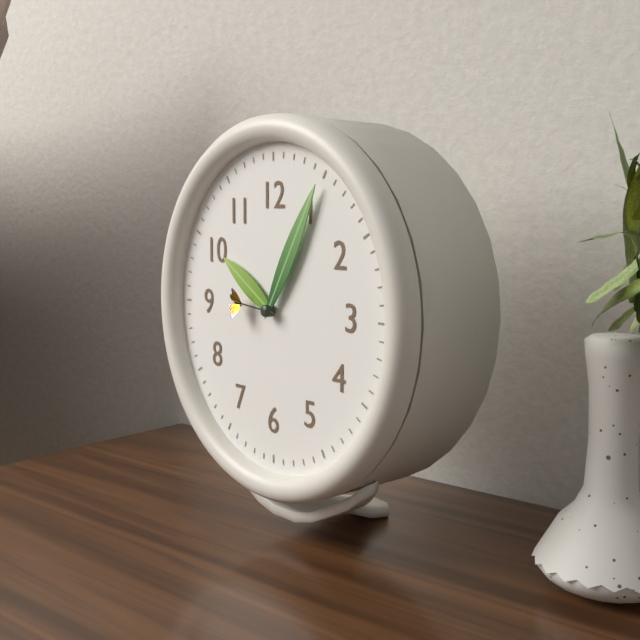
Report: 10:05:46
